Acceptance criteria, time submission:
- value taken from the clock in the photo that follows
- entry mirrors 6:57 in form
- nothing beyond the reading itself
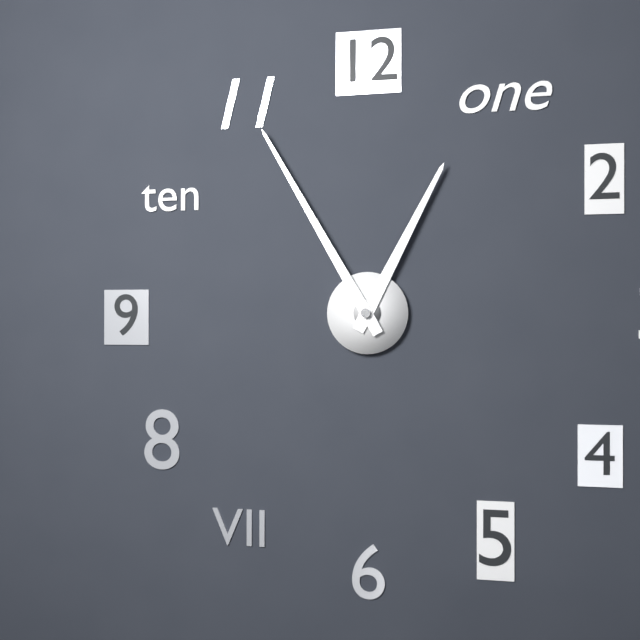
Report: 12:55
